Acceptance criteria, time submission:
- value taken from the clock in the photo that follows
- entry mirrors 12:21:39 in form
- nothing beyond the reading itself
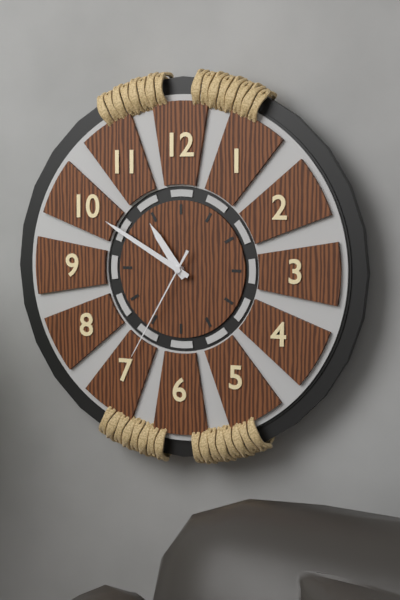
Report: 10:50:35
